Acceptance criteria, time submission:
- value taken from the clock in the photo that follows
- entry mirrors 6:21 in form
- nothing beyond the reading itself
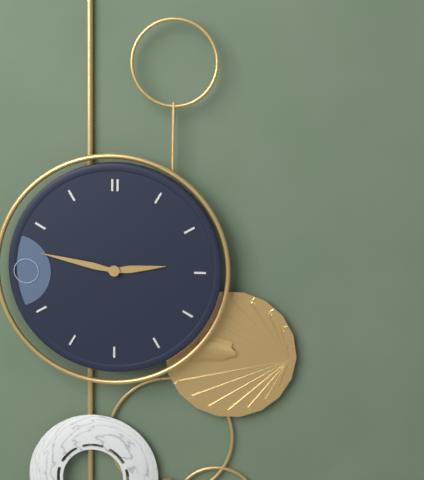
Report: 2:47
